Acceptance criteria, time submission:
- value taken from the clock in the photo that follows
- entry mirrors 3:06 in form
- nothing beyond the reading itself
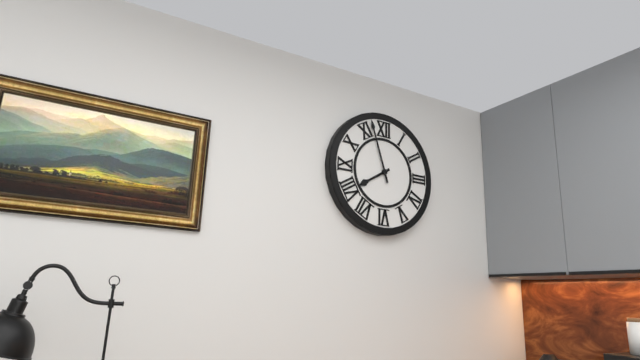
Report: 7:57
